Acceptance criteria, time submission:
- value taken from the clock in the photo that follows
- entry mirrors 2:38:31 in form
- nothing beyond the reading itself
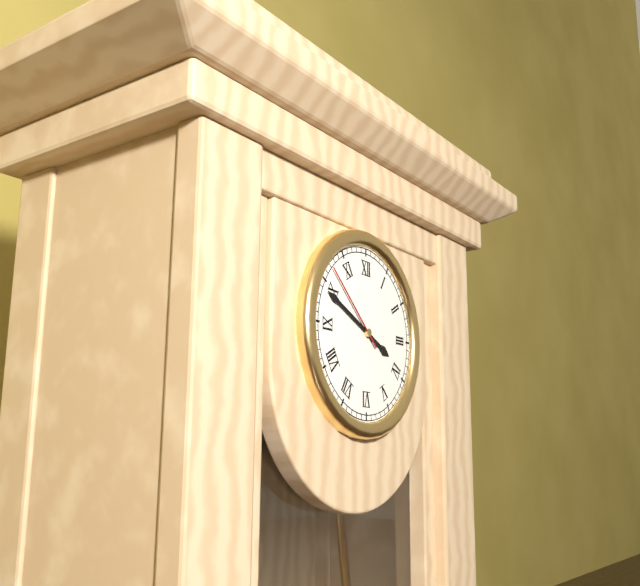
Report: 3:49:52
